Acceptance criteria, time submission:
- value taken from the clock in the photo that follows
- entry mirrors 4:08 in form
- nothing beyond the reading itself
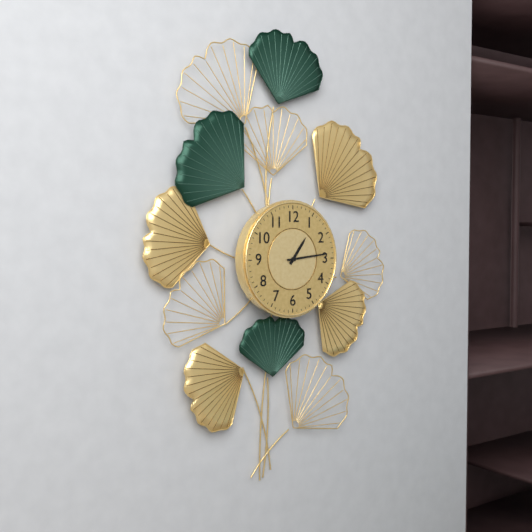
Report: 1:14
